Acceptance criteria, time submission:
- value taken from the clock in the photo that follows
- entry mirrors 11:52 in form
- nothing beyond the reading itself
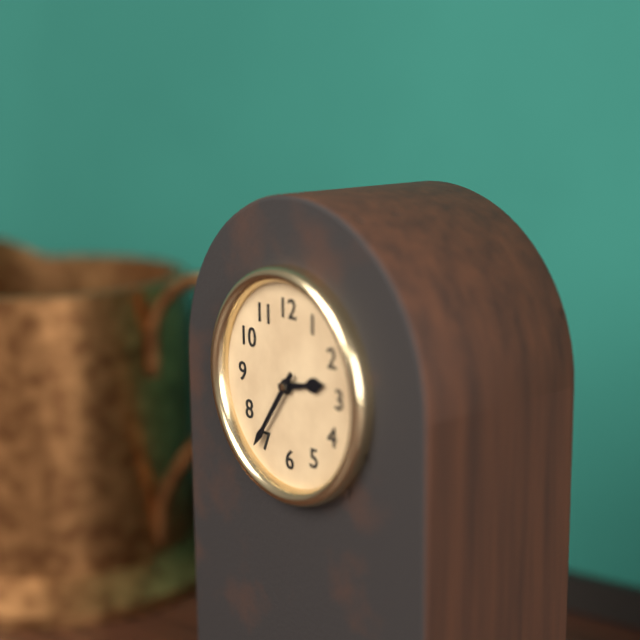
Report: 2:36
